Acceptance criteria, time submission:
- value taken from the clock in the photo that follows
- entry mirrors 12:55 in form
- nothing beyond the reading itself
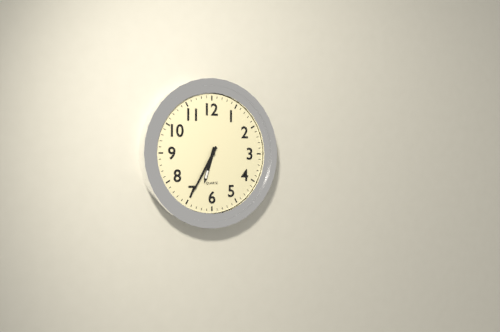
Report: 6:35
